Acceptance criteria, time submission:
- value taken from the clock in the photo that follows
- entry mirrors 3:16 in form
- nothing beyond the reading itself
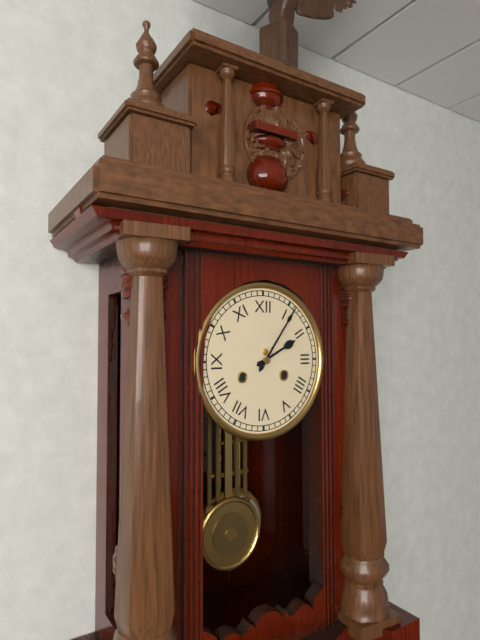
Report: 2:06
